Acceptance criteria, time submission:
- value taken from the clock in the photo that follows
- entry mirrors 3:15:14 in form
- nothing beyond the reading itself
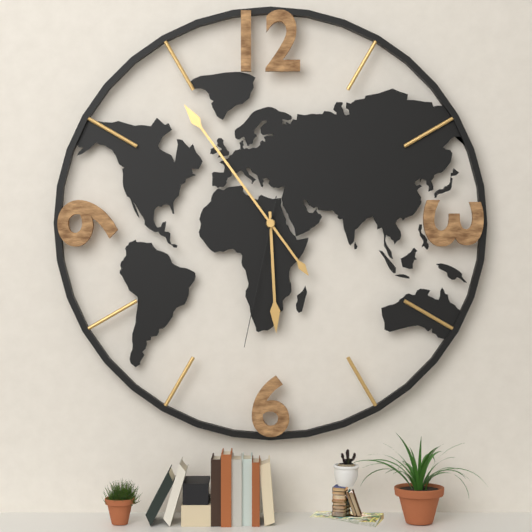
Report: 5:54:32
